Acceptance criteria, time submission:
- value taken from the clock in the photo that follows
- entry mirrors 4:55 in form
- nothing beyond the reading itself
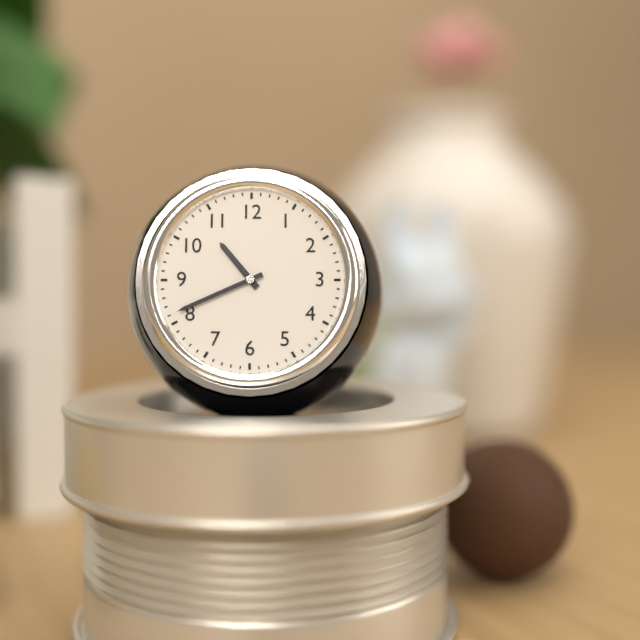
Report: 10:41
